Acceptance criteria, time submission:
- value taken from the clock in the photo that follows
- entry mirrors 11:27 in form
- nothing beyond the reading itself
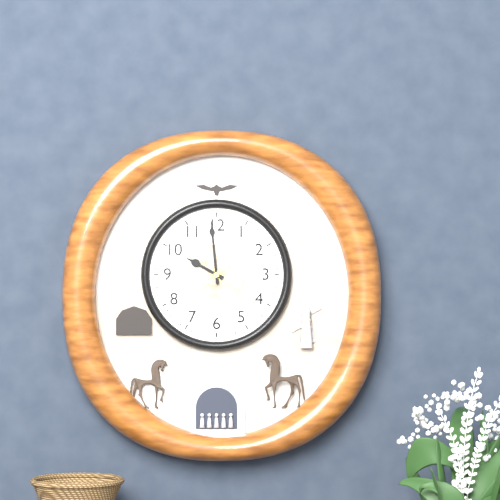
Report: 9:59
